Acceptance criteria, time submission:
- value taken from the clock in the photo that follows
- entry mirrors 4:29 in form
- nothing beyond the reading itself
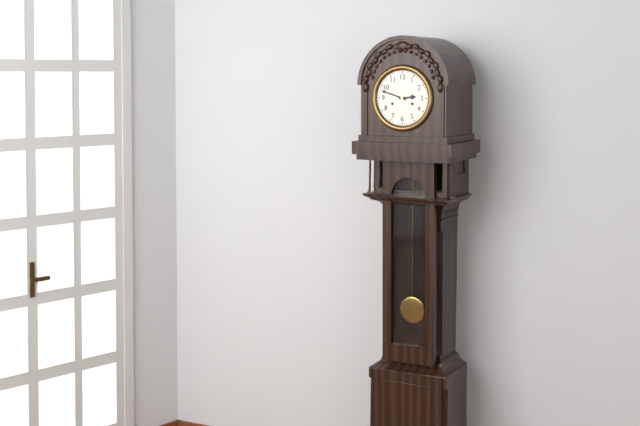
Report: 2:48
